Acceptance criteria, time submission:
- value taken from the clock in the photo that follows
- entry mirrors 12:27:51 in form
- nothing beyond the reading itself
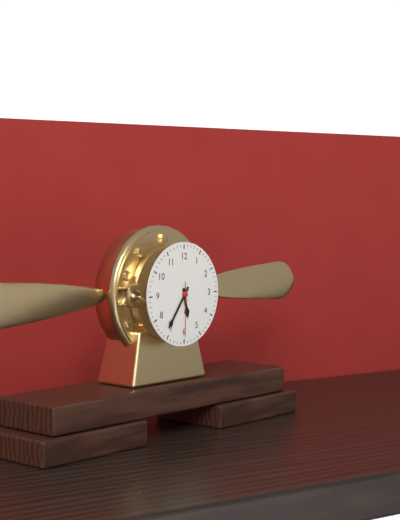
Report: 5:36:30
